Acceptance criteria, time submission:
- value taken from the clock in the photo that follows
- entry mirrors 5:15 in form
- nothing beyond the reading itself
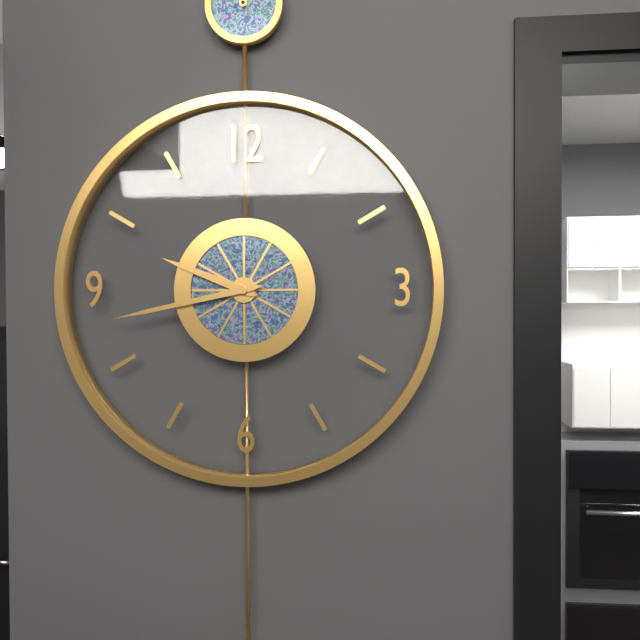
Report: 9:43
